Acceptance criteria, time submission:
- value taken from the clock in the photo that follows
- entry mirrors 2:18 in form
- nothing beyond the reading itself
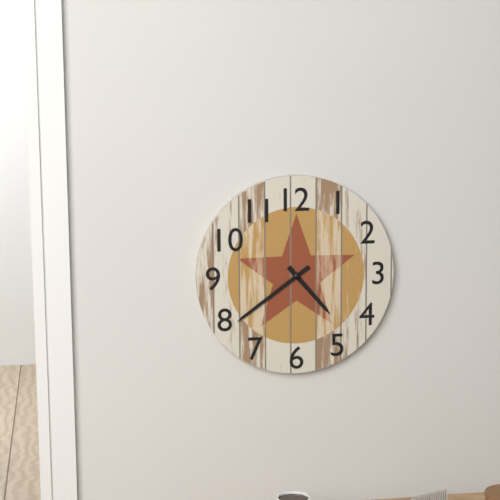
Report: 4:39
